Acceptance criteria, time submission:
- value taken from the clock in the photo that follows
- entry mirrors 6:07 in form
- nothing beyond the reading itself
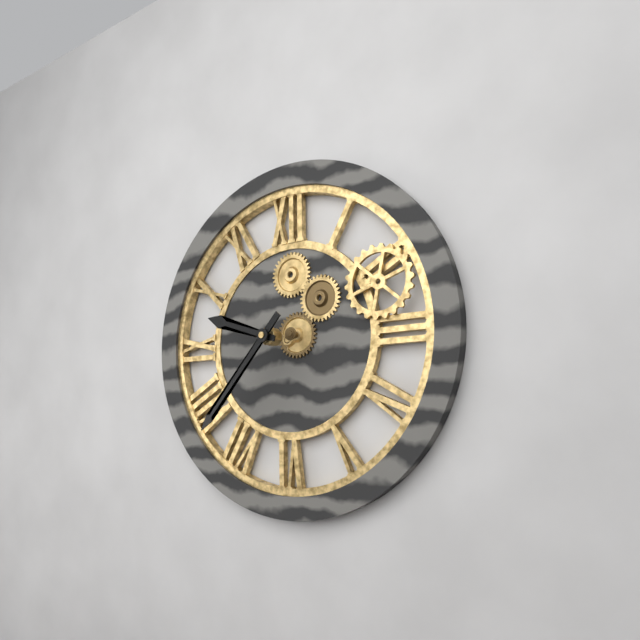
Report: 9:37
